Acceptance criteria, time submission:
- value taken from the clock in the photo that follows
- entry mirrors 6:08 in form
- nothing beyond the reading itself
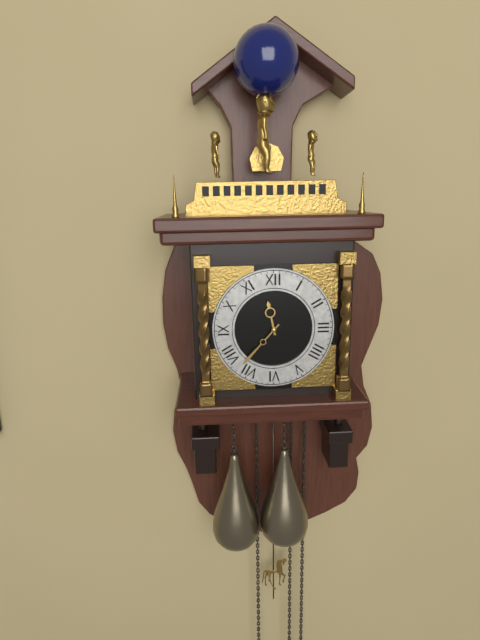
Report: 11:37
